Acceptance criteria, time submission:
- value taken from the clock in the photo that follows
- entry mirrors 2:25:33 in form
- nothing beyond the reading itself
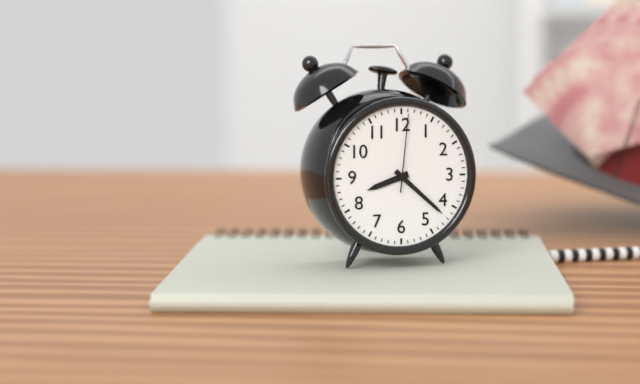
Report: 8:22:01
